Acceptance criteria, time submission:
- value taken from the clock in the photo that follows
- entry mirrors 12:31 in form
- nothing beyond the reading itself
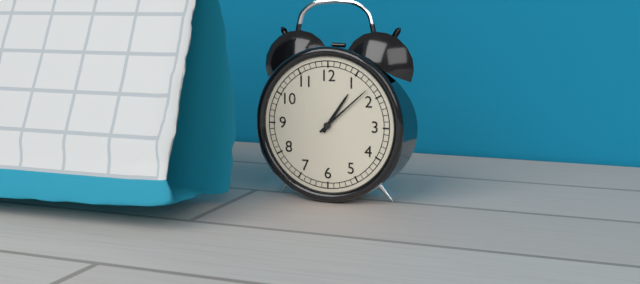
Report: 1:08
